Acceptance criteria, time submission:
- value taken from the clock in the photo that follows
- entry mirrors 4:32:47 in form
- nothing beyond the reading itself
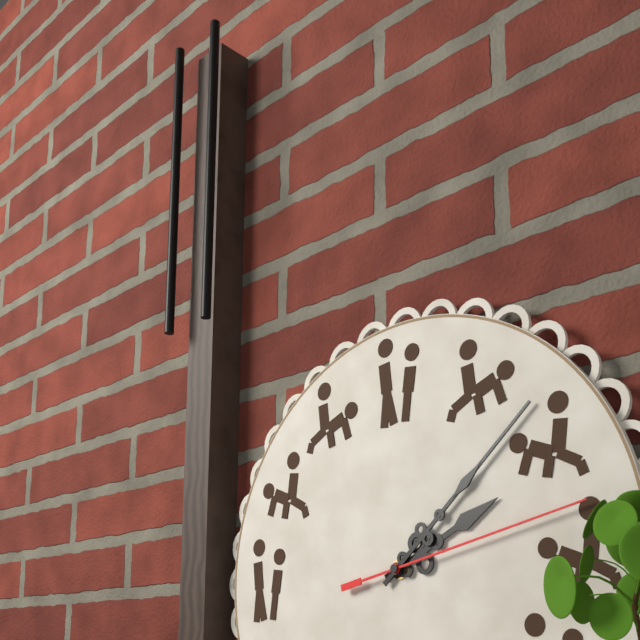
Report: 2:08:13
